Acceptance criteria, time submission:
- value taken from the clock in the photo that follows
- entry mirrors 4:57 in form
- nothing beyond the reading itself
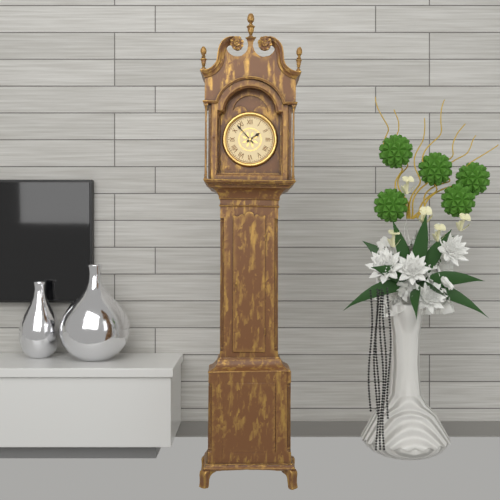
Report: 1:53
